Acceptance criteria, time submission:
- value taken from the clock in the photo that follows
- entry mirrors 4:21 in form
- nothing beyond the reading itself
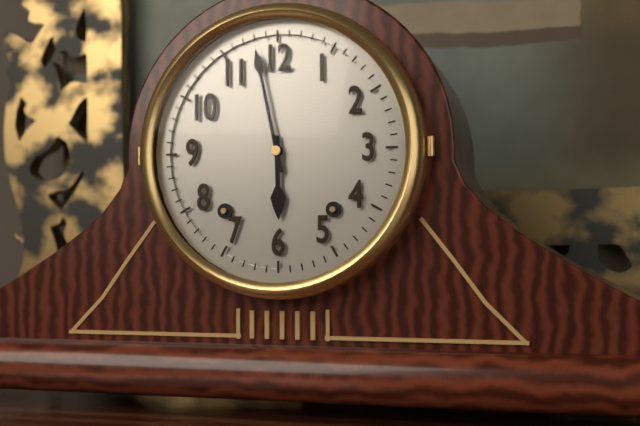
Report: 5:58
